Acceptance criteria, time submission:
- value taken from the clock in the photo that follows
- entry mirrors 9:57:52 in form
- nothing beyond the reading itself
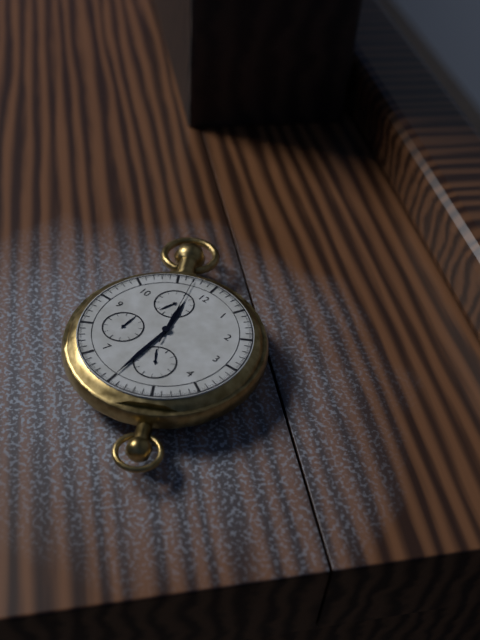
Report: 11:30:57
